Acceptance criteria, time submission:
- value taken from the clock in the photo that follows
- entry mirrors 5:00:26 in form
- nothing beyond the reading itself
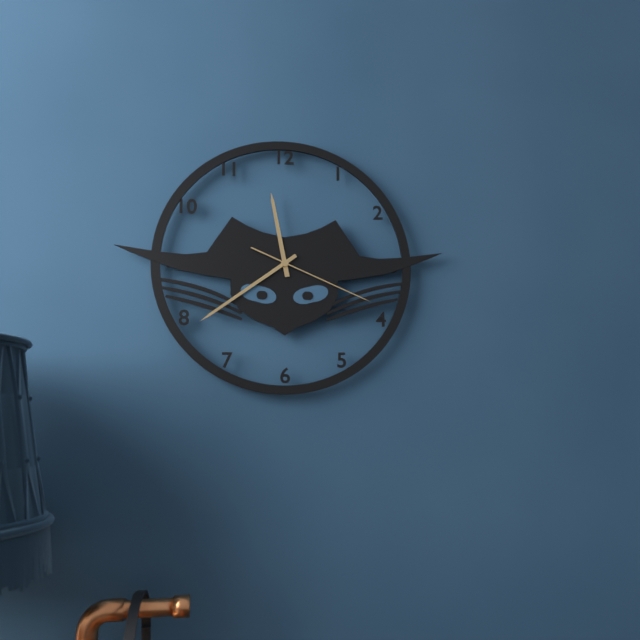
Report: 11:39:19
